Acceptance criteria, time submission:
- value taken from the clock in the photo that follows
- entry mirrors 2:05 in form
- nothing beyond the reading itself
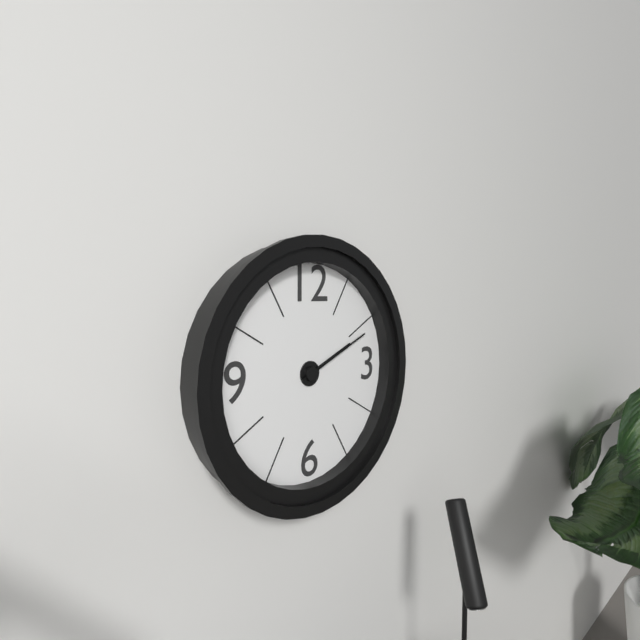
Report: 2:11
